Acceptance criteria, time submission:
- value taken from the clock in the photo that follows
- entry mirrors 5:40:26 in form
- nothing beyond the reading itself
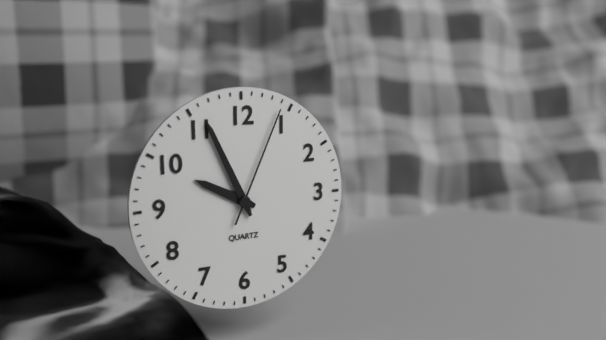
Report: 9:56:04
